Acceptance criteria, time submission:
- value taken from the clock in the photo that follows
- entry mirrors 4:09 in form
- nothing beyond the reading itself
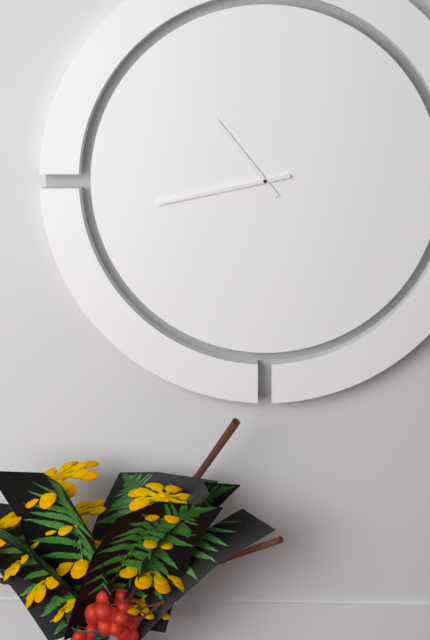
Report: 10:43
